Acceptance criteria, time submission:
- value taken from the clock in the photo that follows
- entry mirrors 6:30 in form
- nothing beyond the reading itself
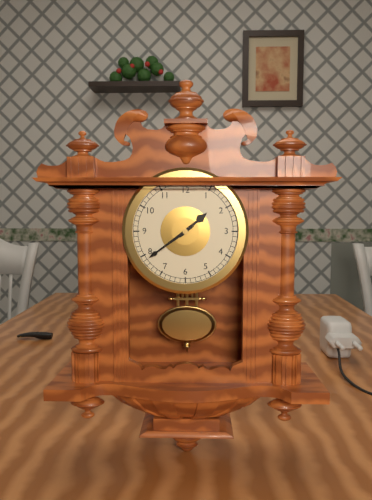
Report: 1:39
